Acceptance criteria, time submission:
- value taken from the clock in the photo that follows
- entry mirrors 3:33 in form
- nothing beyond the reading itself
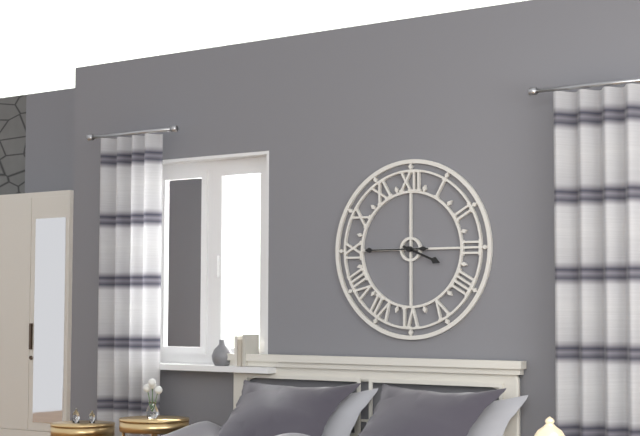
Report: 3:45
